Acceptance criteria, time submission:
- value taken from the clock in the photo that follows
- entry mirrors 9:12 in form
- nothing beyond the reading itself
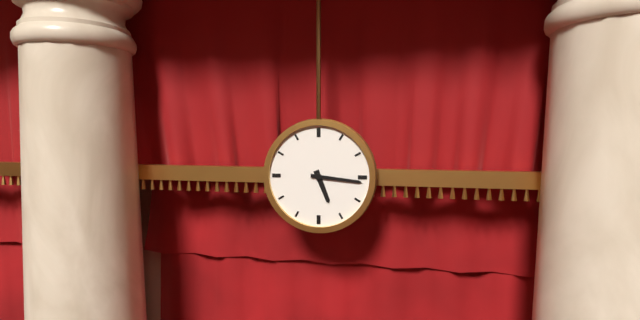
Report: 5:16
